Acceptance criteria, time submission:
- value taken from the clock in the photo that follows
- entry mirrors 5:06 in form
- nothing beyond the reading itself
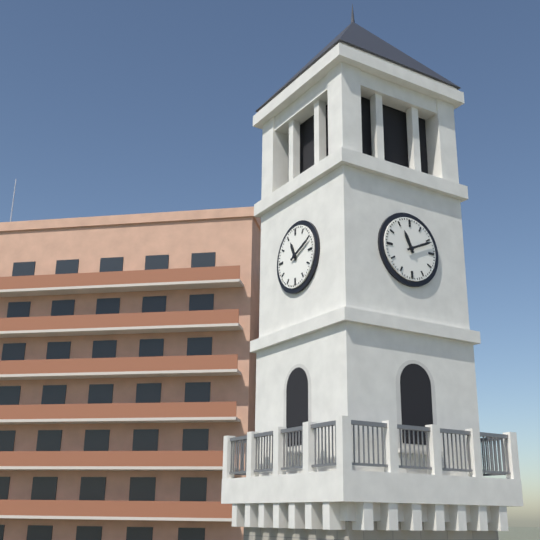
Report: 11:11
